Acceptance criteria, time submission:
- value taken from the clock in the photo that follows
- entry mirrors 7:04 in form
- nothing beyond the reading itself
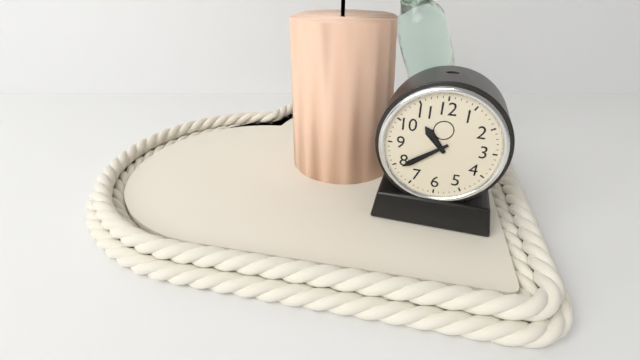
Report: 10:39
